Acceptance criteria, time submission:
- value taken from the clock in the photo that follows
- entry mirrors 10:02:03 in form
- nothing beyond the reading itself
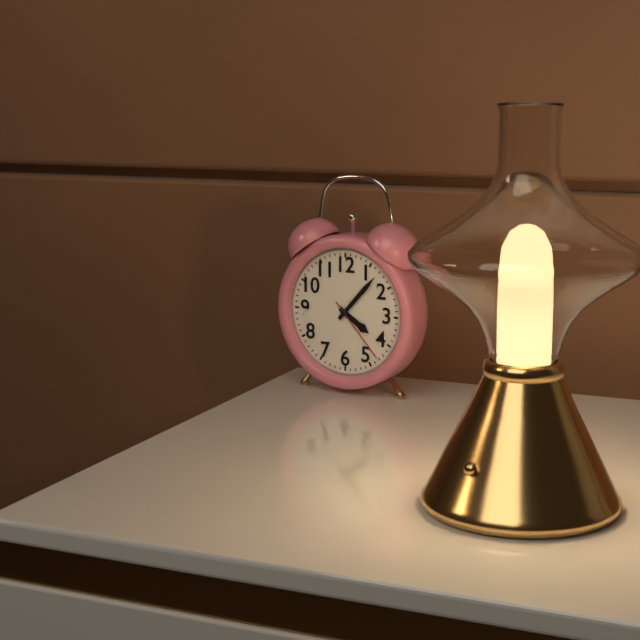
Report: 4:07:23
